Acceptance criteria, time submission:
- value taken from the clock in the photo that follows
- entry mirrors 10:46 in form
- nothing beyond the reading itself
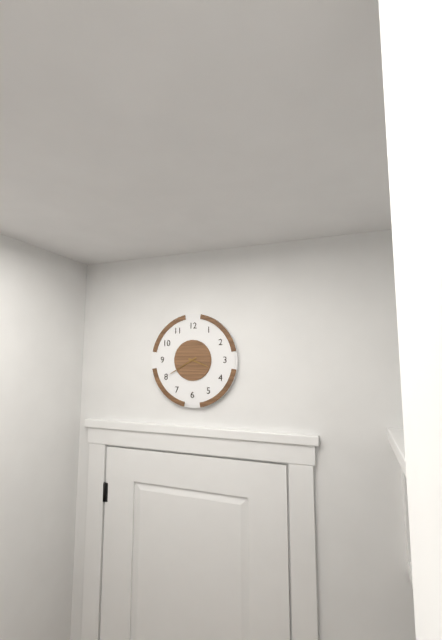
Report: 3:40
